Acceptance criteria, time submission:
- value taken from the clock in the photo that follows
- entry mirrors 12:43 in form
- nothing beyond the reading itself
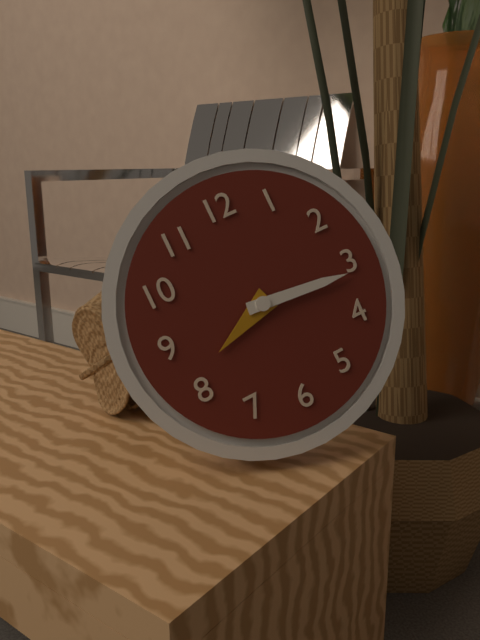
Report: 8:16
